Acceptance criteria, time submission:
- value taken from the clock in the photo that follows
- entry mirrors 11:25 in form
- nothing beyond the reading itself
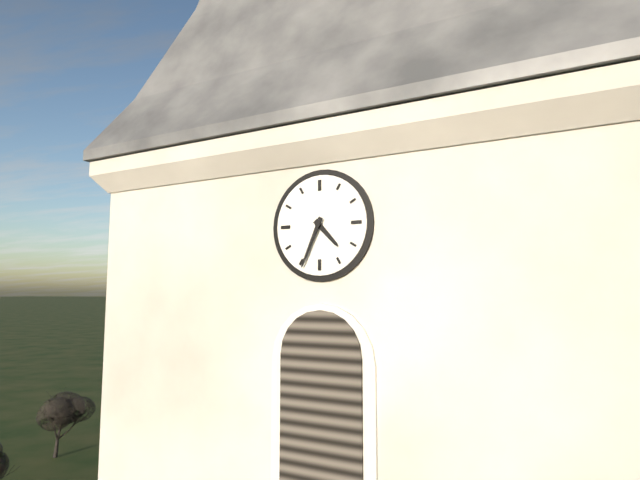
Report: 4:34
